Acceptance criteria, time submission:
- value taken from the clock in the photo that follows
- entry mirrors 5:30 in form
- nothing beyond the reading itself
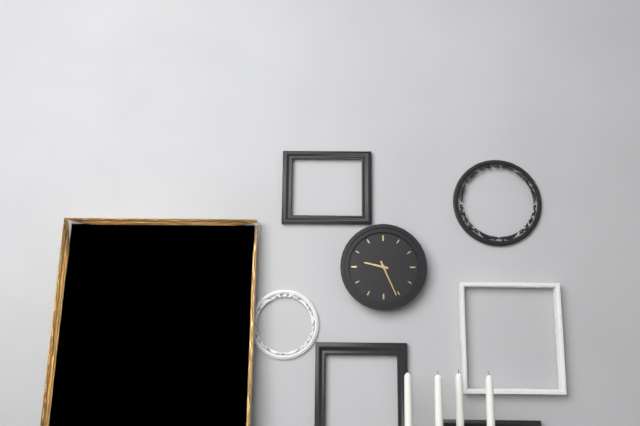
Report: 9:26
